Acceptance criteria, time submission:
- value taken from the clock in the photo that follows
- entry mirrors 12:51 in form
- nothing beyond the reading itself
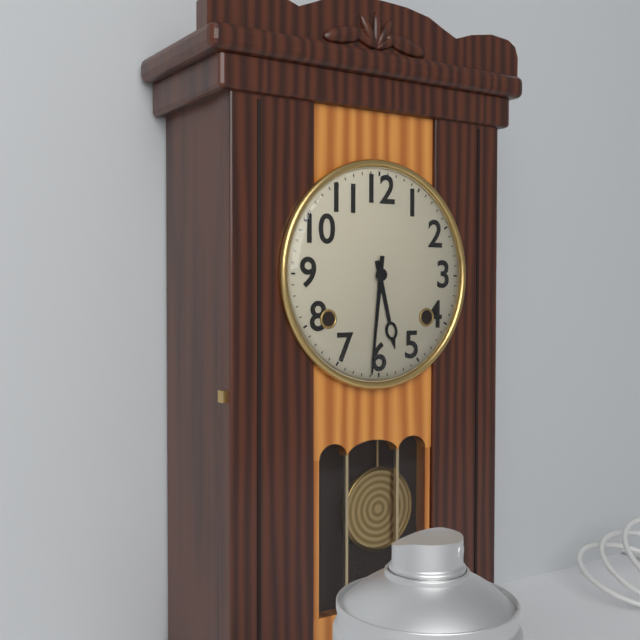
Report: 5:31
